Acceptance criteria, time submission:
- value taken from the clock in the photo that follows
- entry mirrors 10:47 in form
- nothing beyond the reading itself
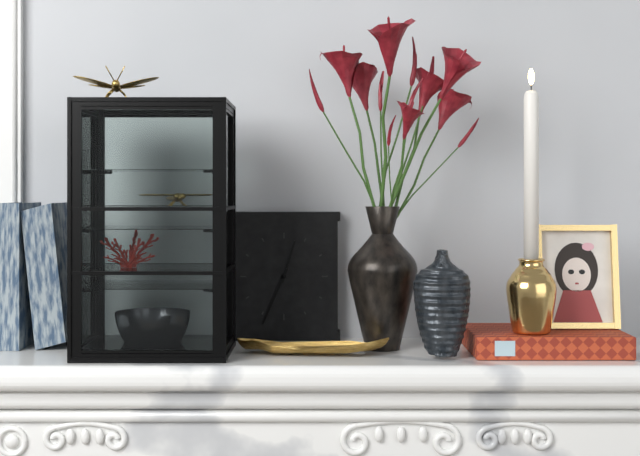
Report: 12:34
